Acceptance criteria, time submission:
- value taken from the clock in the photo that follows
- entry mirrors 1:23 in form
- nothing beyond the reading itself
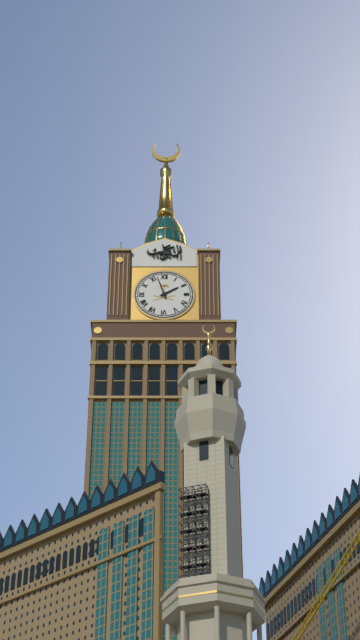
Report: 1:57
